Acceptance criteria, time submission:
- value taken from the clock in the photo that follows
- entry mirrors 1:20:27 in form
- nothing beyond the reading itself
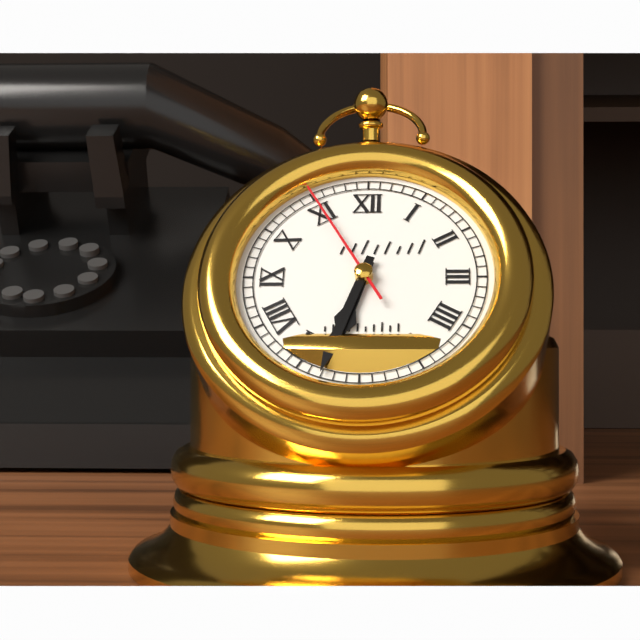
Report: 6:33:55
